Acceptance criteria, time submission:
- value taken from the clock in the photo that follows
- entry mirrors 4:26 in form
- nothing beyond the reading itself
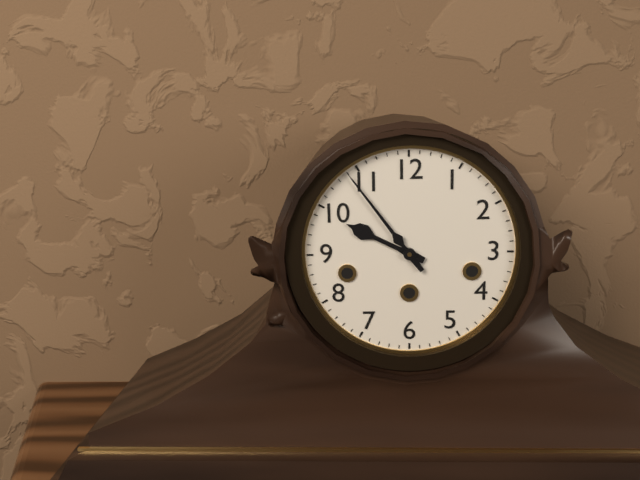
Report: 9:54
